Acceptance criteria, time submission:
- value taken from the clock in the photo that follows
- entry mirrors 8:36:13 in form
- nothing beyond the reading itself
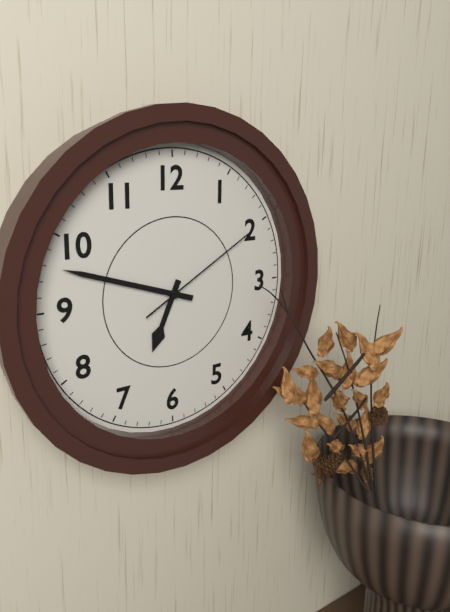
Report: 6:48:10
